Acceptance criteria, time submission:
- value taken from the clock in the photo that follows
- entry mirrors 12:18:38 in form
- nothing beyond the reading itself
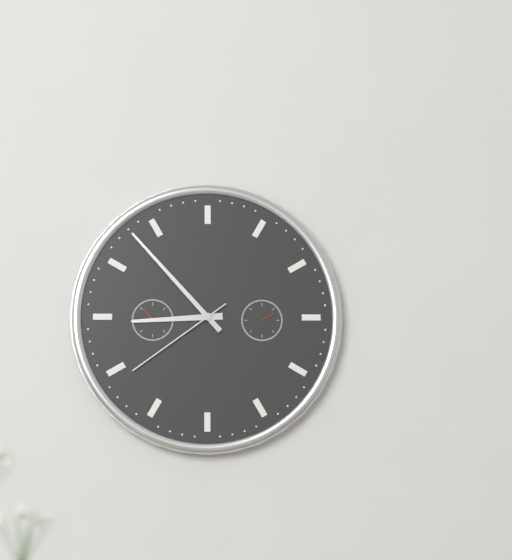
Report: 8:53:39
